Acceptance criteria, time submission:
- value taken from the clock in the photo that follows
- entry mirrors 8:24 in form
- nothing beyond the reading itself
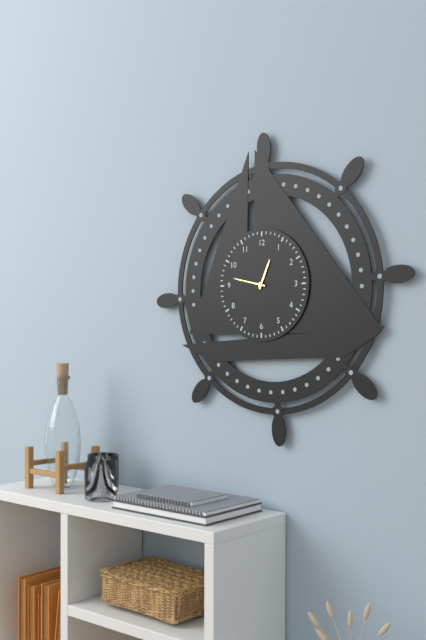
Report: 12:47
